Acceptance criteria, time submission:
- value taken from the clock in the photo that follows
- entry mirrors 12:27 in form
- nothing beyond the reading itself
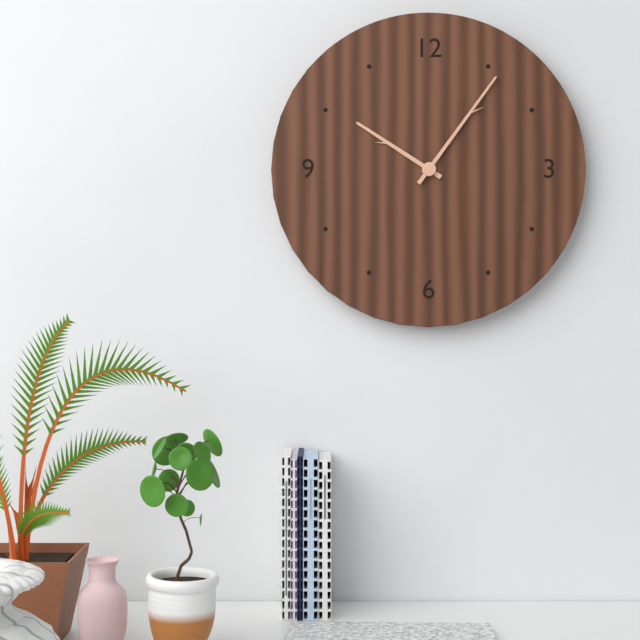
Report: 10:06
